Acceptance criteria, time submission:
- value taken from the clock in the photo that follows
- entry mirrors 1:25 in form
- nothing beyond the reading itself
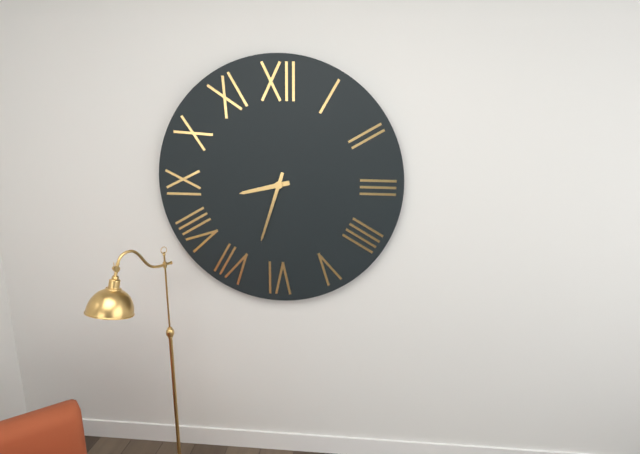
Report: 8:33
